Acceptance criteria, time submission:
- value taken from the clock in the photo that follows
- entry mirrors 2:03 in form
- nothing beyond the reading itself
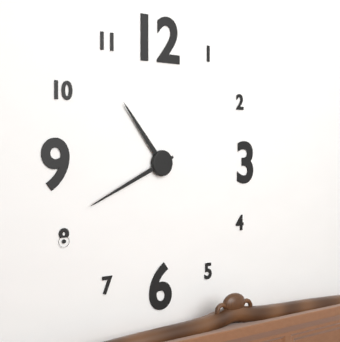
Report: 10:41
